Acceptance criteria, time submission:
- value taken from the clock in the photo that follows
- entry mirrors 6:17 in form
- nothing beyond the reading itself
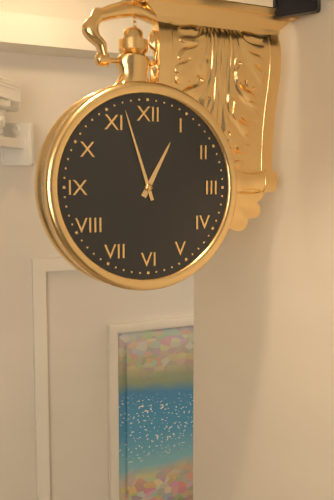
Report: 12:57
